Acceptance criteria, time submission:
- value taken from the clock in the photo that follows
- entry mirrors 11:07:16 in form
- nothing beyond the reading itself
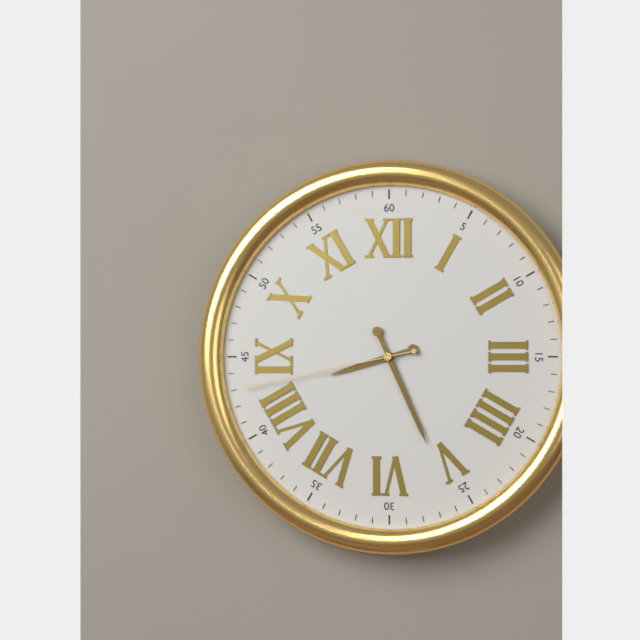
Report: 8:26:43
